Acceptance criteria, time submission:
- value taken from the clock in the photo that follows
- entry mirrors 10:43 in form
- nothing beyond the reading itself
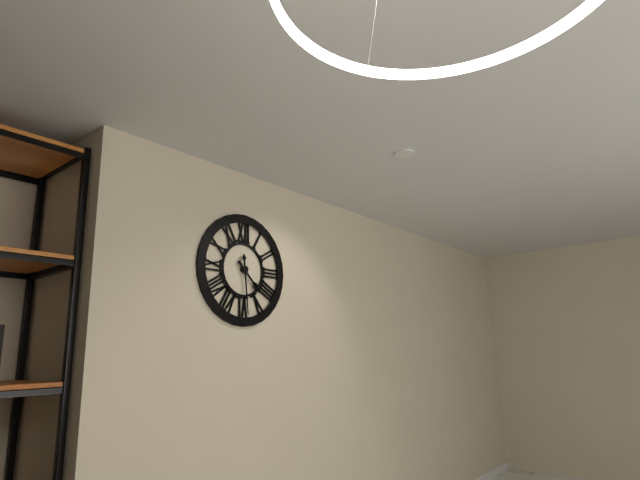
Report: 4:29
